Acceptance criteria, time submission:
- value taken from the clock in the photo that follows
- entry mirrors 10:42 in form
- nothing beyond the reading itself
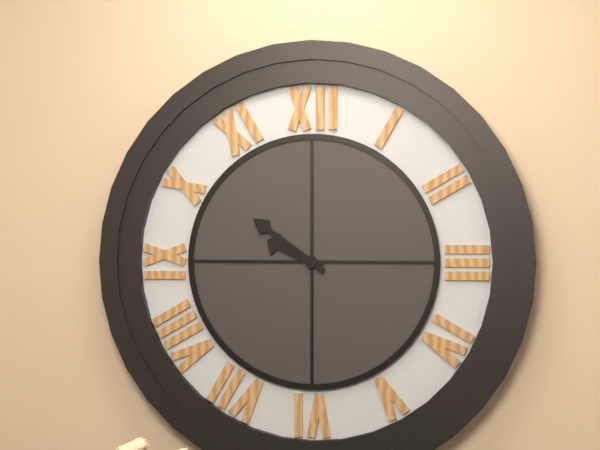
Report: 9:51
